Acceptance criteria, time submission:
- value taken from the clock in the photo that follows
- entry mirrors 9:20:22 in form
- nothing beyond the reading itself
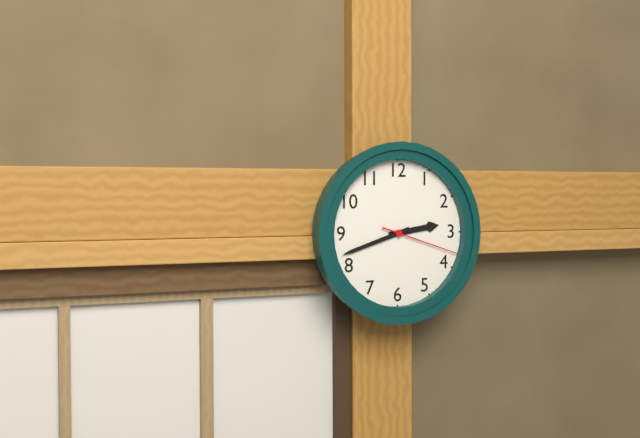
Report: 2:42:18
